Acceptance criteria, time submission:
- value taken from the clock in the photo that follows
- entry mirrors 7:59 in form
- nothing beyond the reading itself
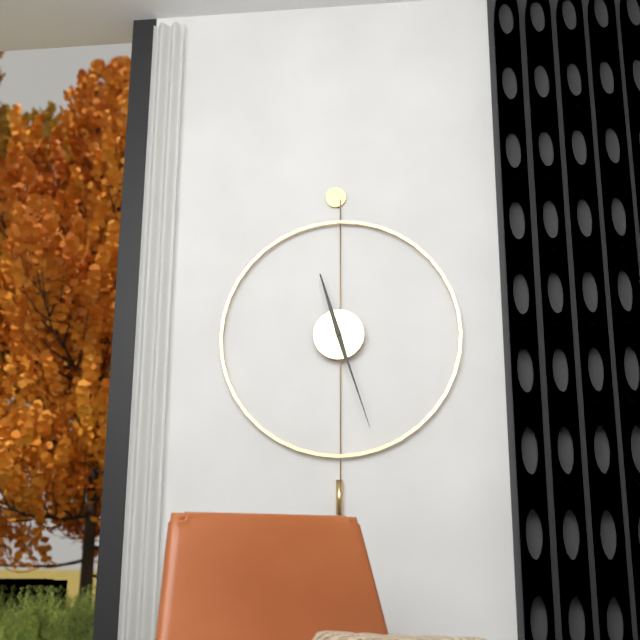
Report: 11:27
